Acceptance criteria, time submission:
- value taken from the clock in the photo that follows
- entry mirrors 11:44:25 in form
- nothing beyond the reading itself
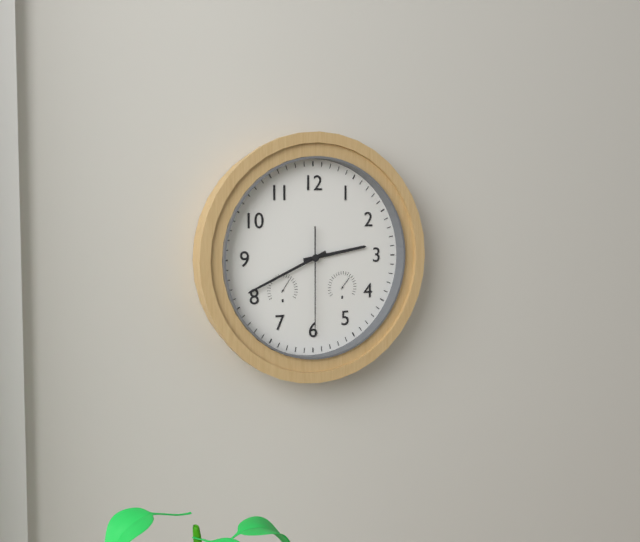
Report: 2:41:30
